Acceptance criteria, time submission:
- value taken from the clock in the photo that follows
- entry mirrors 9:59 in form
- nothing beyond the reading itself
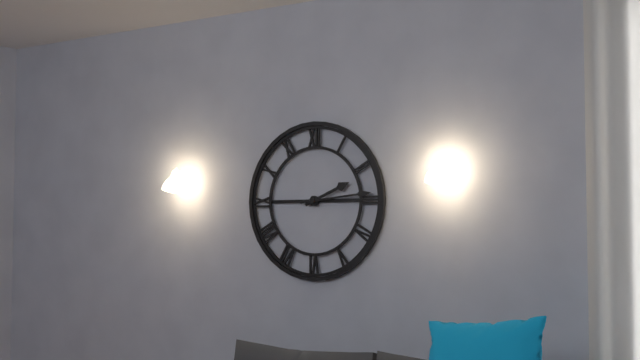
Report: 2:14
